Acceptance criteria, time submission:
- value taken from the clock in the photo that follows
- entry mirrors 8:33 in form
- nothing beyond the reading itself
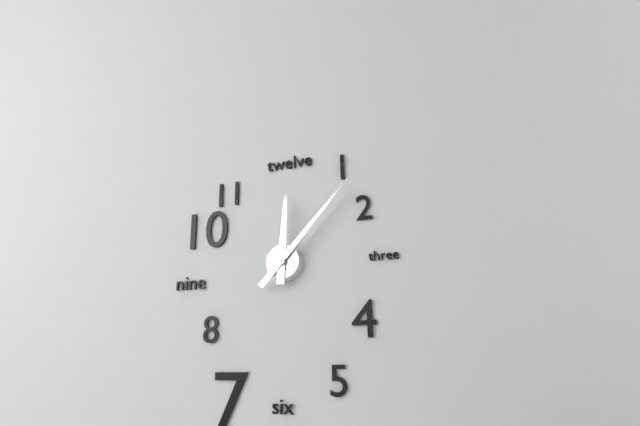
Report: 12:07
